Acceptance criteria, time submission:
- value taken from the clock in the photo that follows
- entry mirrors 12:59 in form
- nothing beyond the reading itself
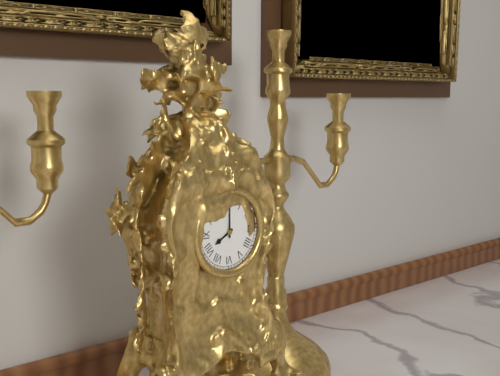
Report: 8:00
